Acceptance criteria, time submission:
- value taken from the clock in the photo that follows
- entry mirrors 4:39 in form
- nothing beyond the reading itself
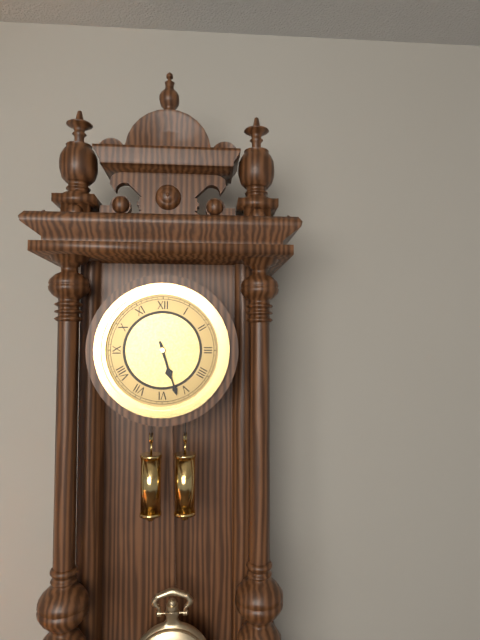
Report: 5:27
